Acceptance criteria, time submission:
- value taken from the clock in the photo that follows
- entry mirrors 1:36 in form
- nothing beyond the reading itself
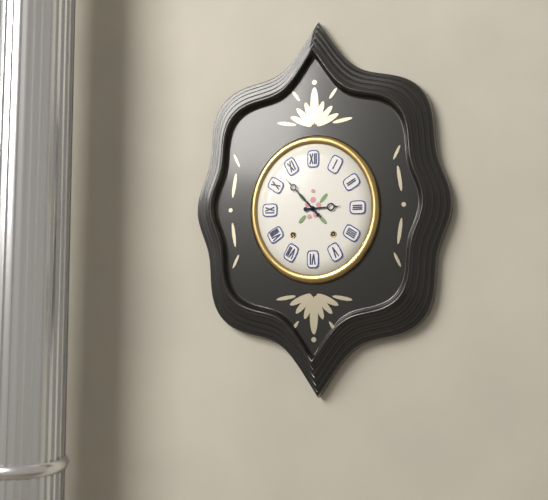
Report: 2:53
